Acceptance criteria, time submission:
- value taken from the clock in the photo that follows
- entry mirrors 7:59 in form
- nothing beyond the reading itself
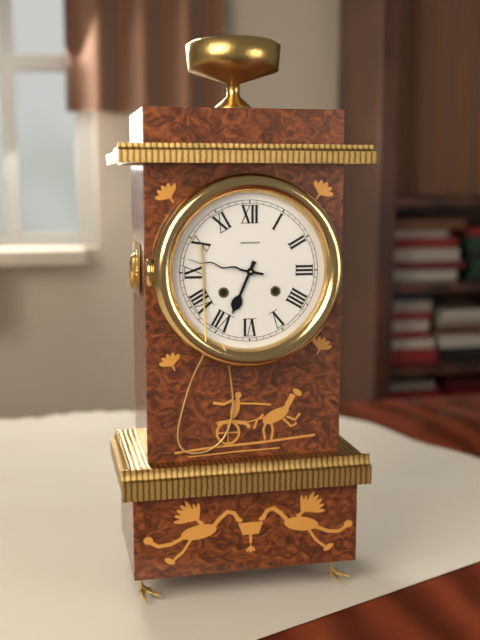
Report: 6:47
